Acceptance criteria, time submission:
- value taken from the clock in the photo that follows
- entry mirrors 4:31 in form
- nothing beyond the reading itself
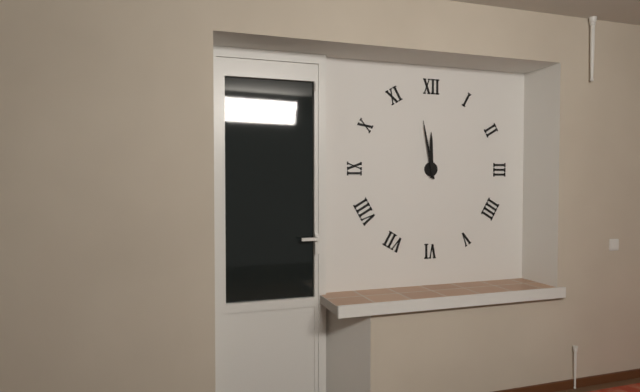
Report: 11:58
